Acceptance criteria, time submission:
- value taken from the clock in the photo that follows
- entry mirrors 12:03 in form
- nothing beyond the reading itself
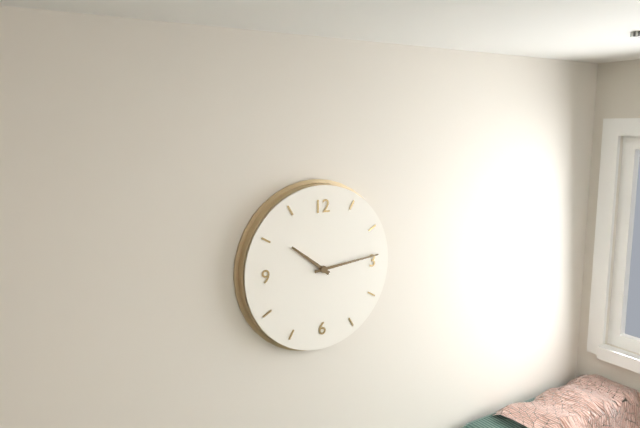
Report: 10:14
